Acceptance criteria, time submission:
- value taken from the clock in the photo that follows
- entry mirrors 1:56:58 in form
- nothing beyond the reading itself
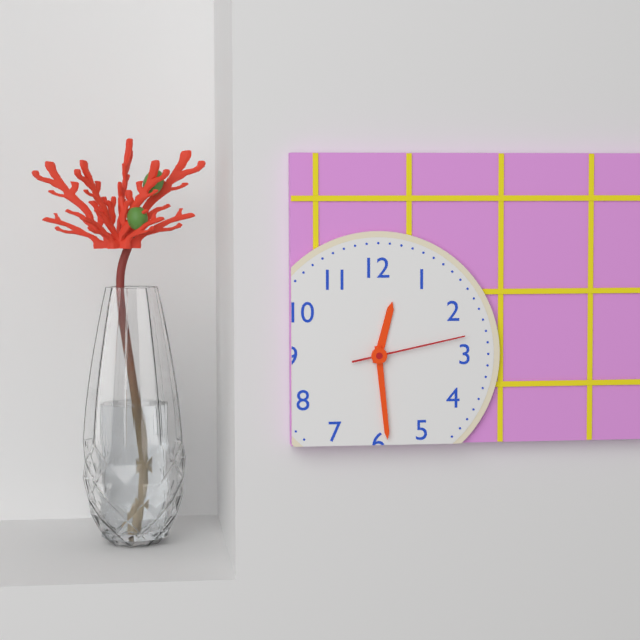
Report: 12:29:13
